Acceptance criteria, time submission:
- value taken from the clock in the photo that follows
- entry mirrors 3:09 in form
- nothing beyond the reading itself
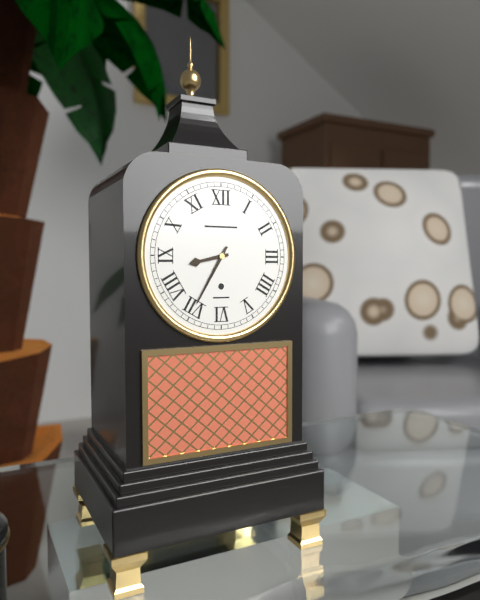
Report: 8:35
